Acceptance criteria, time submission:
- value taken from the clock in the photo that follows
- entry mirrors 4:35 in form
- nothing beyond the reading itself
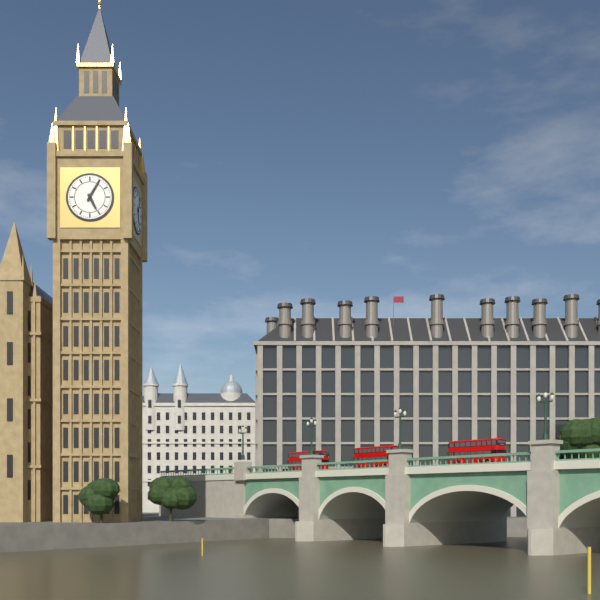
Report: 5:05
